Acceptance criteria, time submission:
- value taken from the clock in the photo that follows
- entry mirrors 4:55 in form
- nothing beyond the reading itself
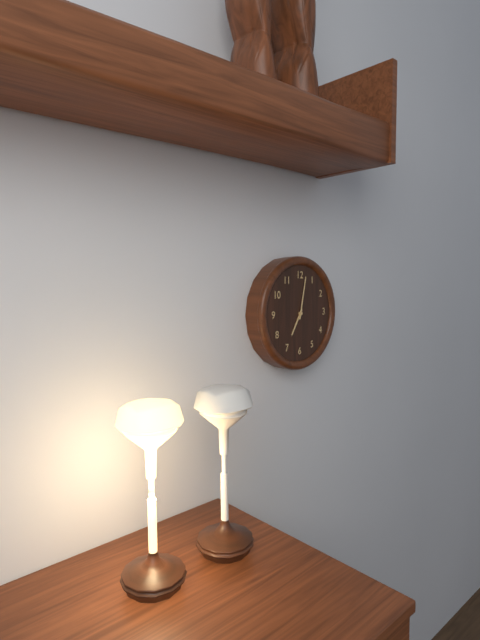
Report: 7:02
